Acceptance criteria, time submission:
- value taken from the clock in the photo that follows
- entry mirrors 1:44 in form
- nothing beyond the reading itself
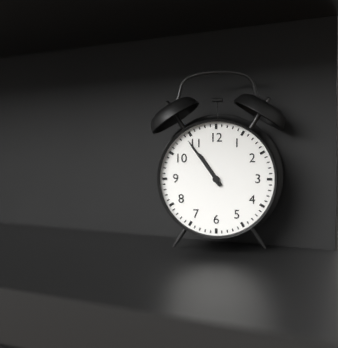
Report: 10:54
